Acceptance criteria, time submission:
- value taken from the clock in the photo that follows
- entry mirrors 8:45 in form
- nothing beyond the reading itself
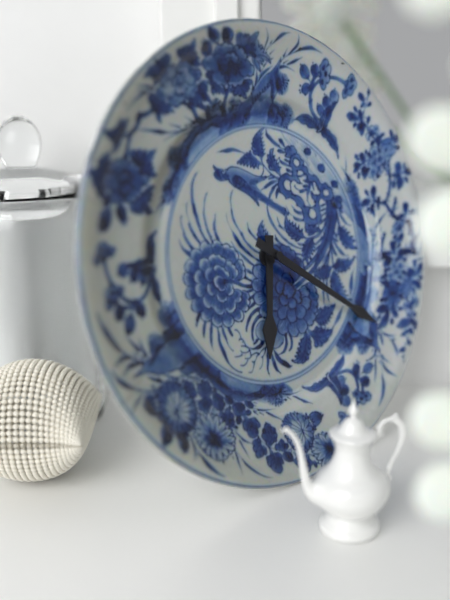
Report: 6:21
